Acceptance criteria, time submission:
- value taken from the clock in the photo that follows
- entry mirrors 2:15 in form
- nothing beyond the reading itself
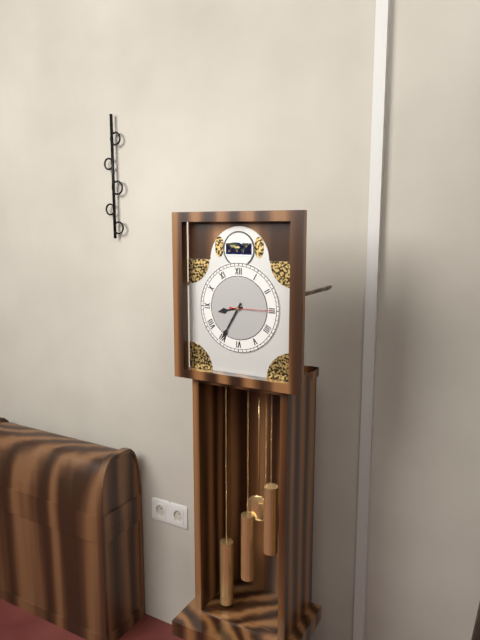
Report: 8:35
